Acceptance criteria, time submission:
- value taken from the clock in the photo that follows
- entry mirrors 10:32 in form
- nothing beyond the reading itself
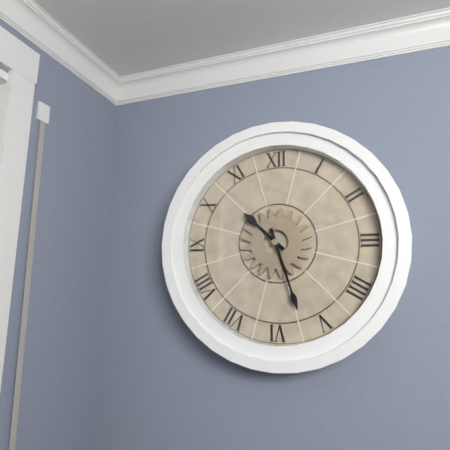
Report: 10:27
